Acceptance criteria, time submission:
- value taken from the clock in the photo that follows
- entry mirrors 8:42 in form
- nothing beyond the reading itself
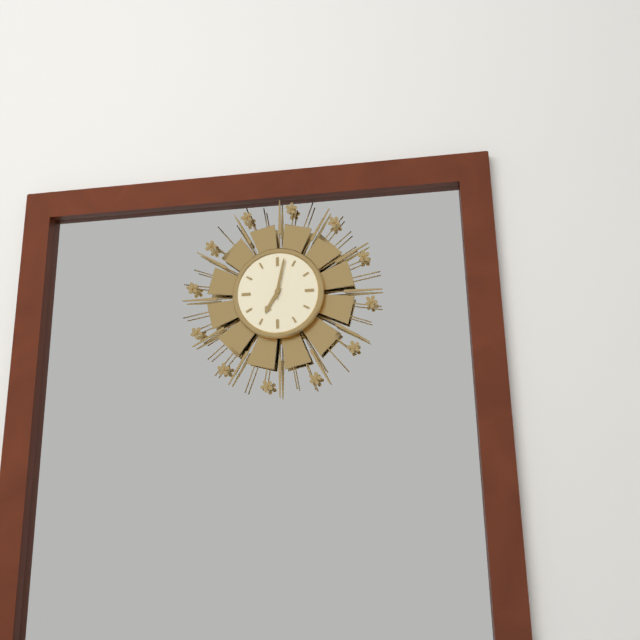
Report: 7:02
